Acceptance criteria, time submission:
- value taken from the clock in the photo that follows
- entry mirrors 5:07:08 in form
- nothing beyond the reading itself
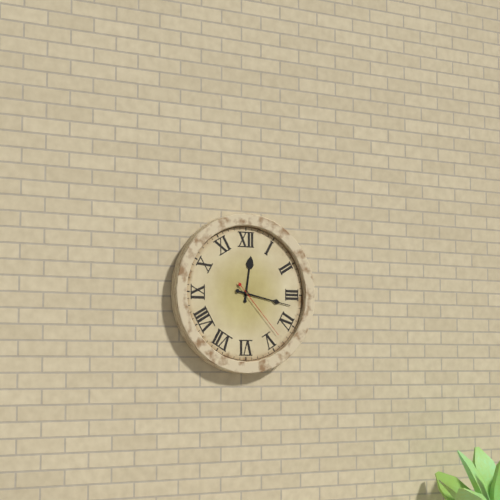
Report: 12:17:23
